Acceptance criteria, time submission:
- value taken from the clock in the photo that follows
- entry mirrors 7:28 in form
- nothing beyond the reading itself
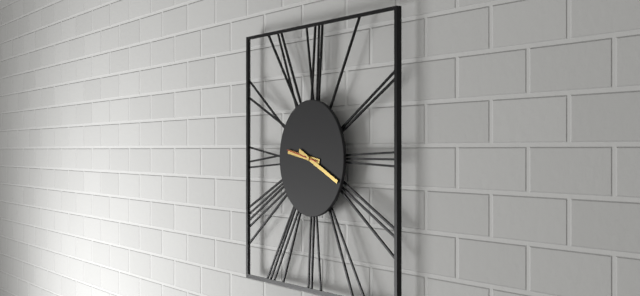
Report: 9:19
